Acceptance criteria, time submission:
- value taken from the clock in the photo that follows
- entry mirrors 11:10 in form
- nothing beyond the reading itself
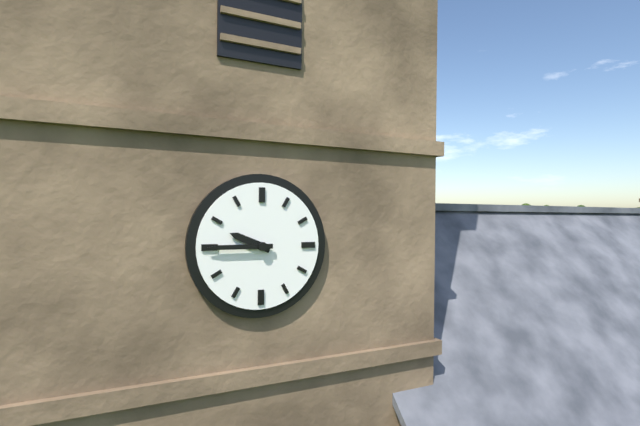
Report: 9:45
